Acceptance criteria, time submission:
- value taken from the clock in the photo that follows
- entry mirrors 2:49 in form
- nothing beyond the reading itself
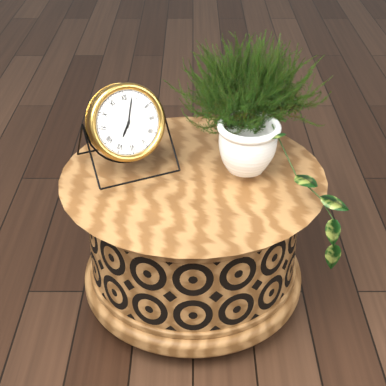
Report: 7:03
